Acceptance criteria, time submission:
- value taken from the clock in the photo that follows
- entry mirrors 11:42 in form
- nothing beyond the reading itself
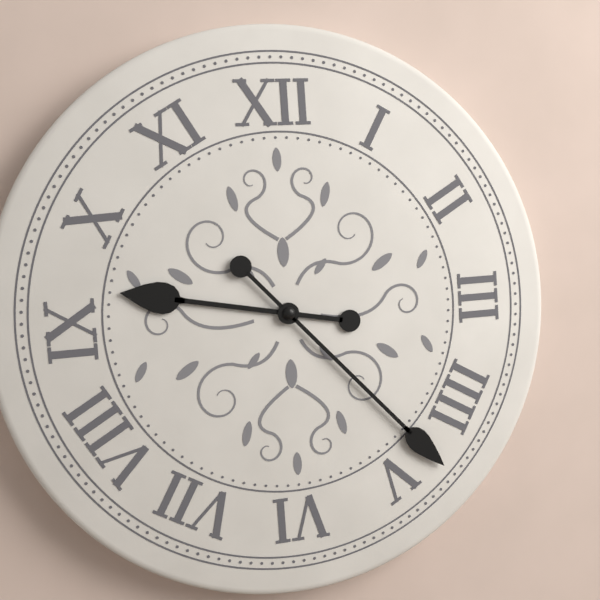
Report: 9:23
